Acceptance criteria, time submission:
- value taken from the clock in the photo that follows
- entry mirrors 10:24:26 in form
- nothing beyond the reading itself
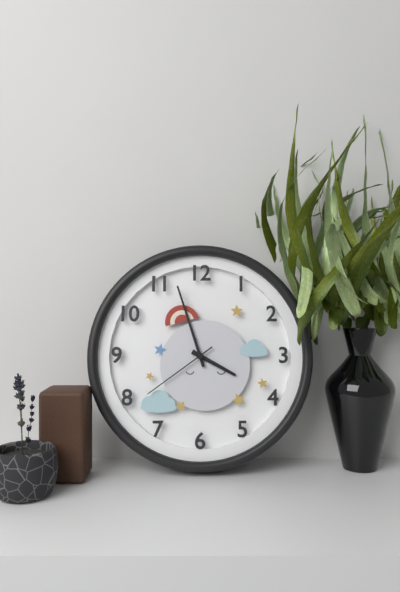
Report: 3:57:39
